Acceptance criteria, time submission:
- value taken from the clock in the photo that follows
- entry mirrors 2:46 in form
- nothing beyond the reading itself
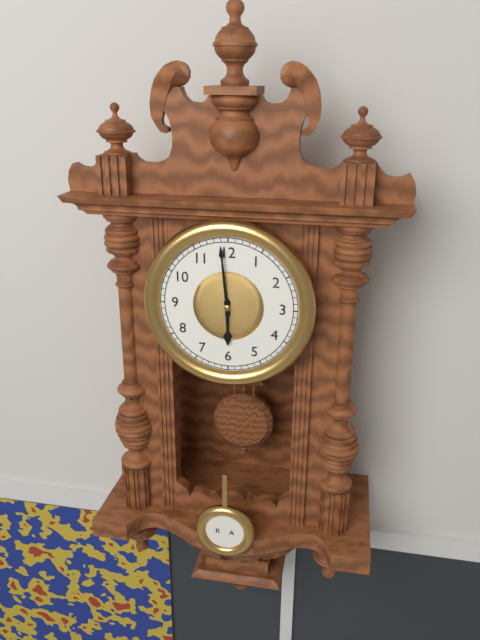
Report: 5:59
